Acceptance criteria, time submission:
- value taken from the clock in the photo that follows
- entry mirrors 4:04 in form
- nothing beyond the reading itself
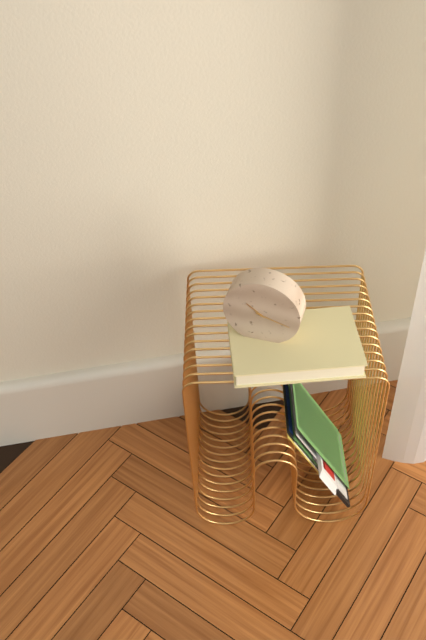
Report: 10:18
